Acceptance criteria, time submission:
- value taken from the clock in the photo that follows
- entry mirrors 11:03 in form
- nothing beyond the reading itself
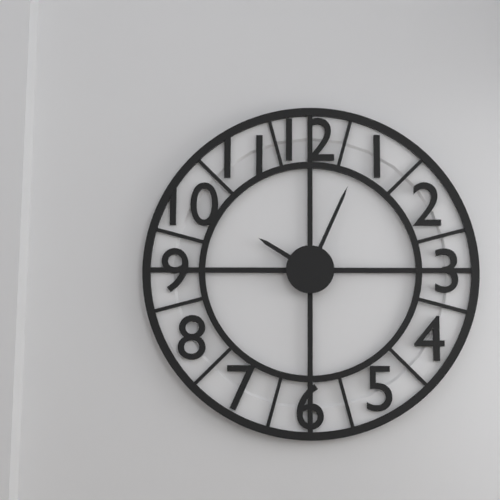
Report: 10:04
